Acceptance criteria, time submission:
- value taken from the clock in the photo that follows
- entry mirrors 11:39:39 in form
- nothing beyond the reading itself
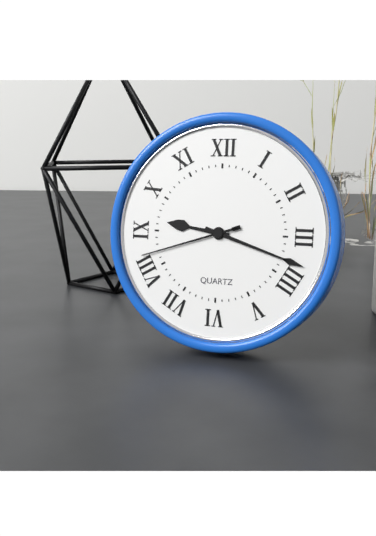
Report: 9:18:42
